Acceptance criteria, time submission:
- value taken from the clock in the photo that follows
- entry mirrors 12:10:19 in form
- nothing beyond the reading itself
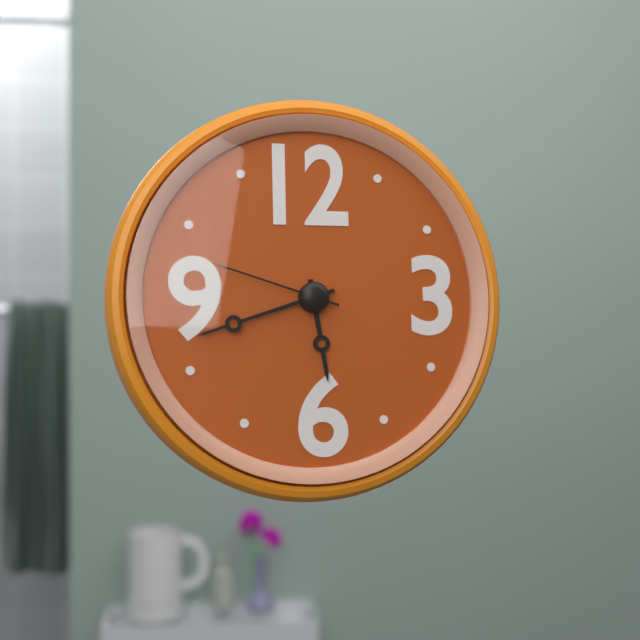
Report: 5:42:48
